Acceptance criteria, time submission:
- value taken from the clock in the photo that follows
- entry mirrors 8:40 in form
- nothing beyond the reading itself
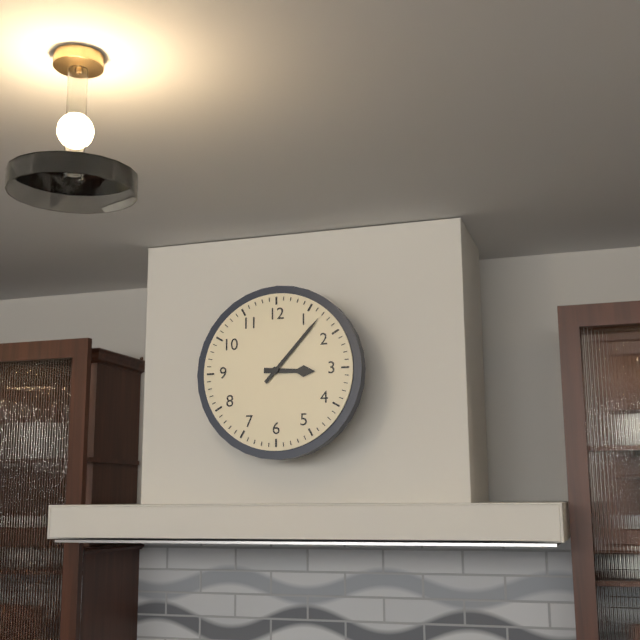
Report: 3:07
